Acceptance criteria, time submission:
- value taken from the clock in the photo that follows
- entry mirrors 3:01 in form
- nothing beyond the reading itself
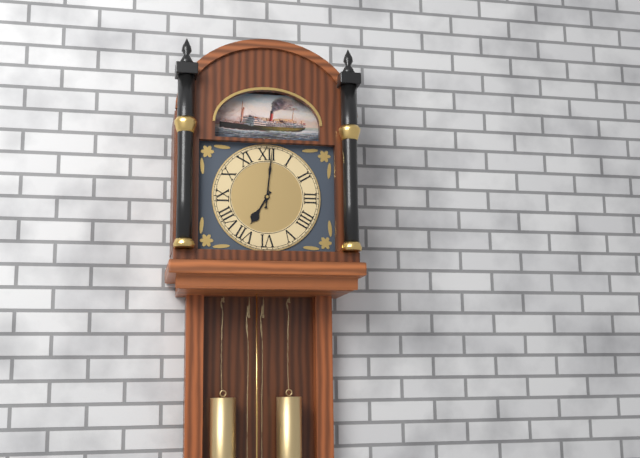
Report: 7:01
